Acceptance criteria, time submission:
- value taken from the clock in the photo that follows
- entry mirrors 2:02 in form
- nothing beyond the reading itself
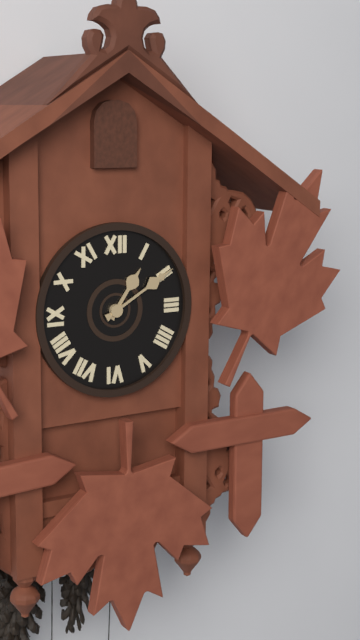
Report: 1:10
